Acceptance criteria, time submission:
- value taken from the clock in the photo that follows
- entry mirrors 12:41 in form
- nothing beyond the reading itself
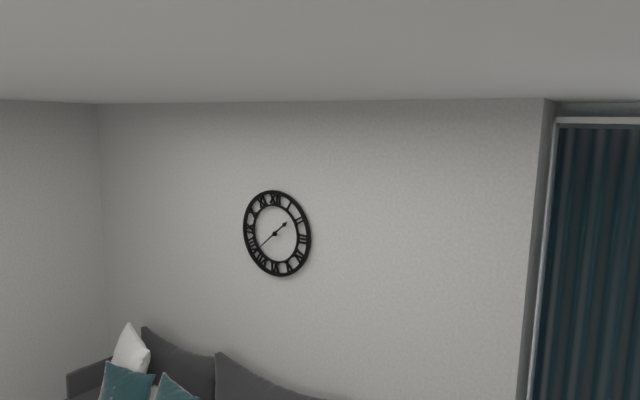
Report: 1:38
